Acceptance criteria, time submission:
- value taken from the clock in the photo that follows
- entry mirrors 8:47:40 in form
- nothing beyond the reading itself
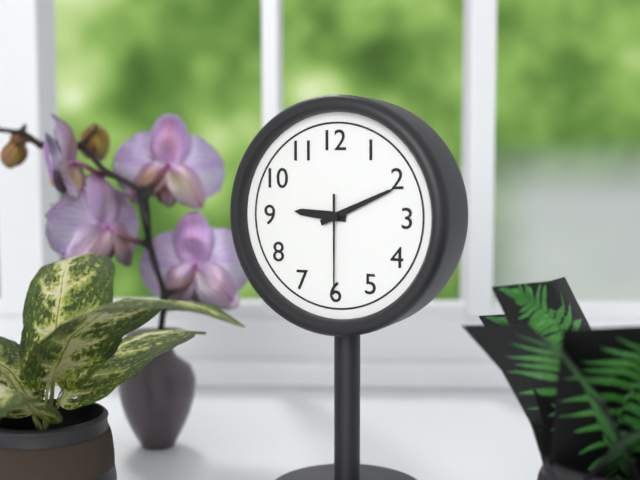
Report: 9:11:30
